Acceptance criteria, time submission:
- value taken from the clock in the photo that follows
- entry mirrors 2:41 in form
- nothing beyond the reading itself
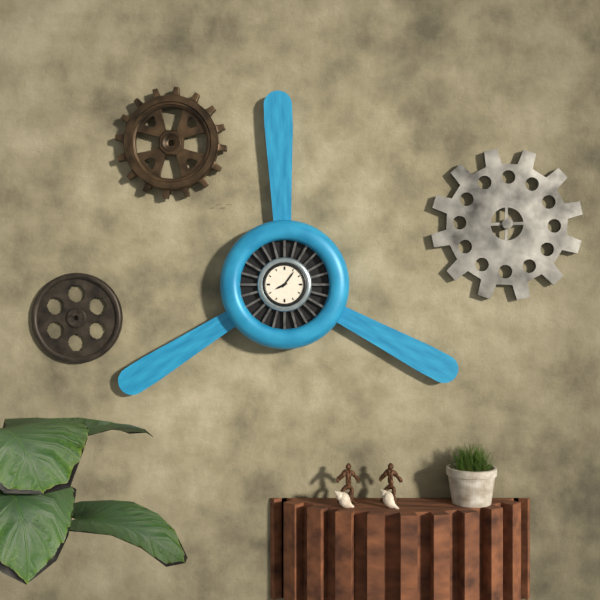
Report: 8:06
